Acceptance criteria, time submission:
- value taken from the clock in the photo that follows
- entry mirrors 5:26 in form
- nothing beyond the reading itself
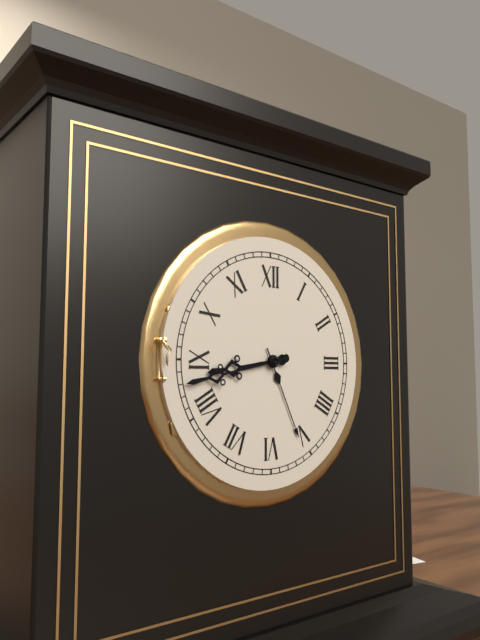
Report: 8:43
